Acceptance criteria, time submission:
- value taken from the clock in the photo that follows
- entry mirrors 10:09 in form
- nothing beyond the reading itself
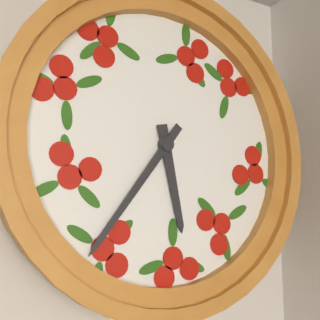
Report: 5:36
